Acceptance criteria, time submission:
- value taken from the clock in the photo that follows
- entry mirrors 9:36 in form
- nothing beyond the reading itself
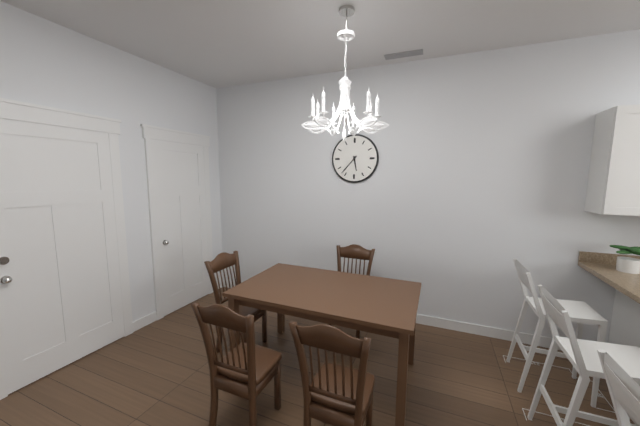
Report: 5:37
